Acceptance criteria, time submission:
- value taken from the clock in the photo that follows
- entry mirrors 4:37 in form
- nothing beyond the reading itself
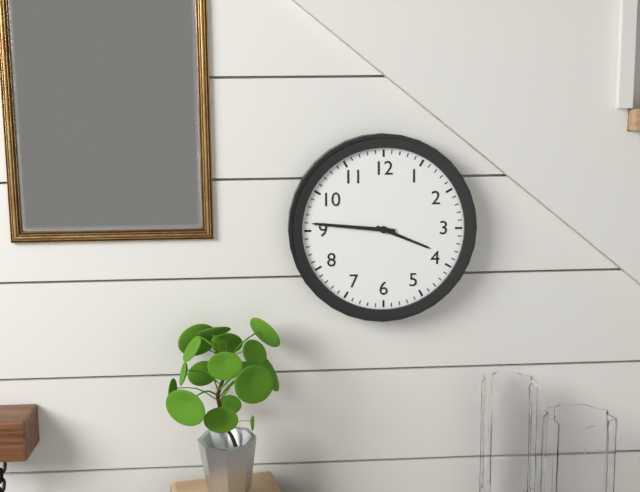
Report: 3:46
